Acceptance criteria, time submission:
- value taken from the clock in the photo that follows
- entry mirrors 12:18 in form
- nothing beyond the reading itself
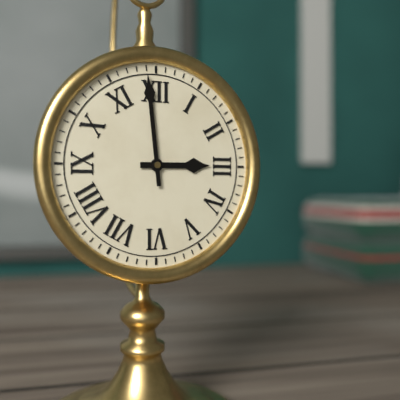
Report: 2:59
